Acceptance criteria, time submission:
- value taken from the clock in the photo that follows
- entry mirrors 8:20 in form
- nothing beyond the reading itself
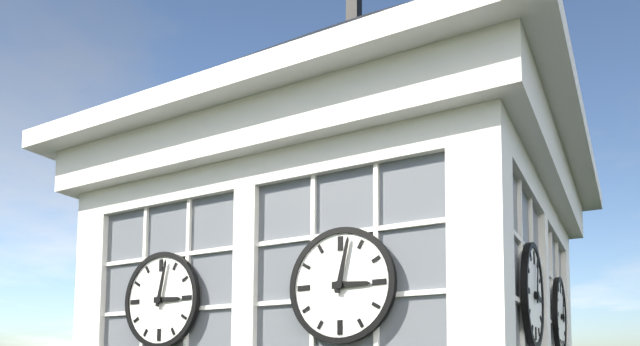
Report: 3:02
